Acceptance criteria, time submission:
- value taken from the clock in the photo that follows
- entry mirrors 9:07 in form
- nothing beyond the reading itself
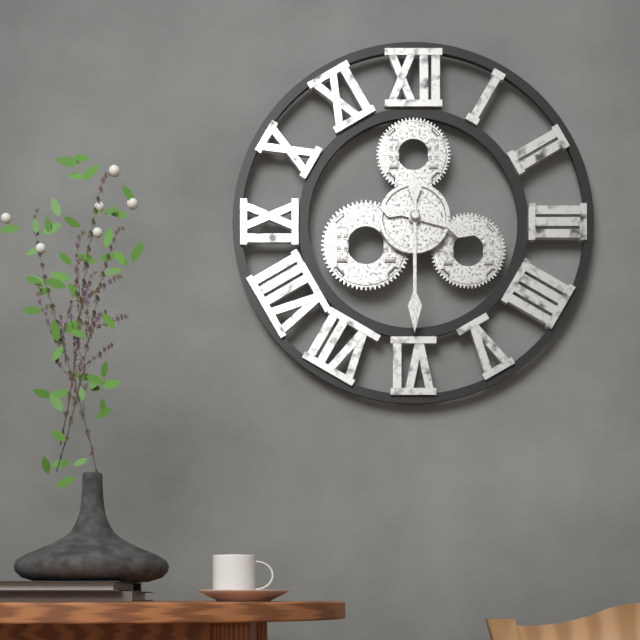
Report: 3:30
